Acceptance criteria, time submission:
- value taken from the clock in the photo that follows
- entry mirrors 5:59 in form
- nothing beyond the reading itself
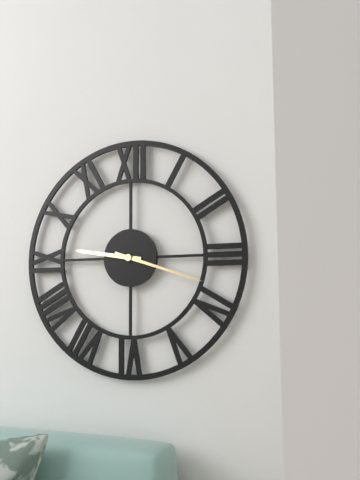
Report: 9:18
